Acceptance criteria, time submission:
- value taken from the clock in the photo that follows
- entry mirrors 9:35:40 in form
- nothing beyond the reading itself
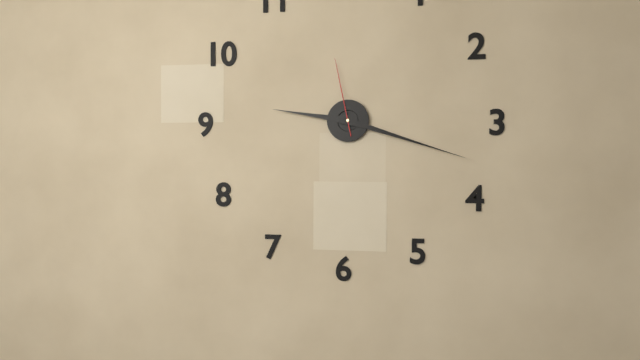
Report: 9:18:58
